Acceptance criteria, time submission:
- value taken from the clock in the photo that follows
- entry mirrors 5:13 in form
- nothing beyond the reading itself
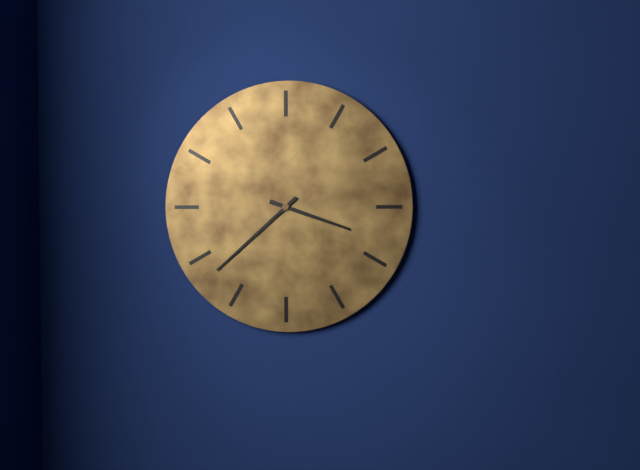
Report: 3:38
